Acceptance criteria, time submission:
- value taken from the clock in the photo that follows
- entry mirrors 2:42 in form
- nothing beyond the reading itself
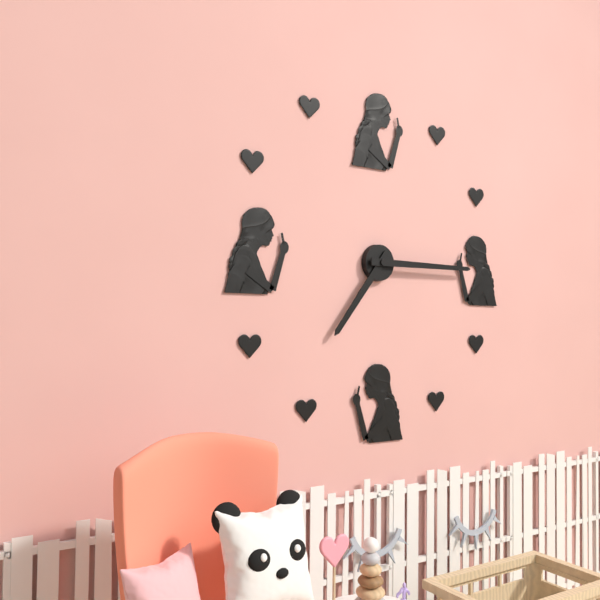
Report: 7:15
